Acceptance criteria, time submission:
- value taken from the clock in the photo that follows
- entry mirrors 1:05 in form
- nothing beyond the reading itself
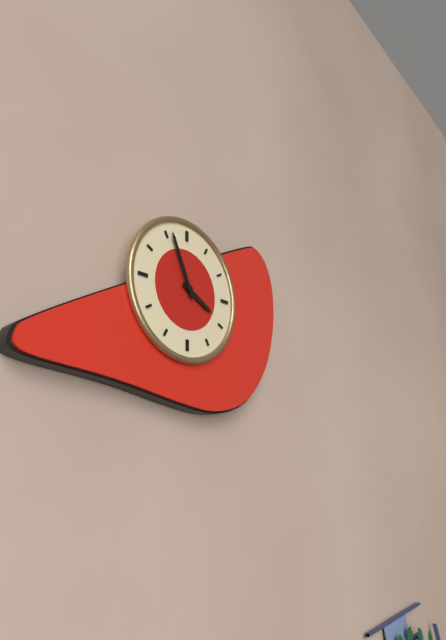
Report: 3:56
